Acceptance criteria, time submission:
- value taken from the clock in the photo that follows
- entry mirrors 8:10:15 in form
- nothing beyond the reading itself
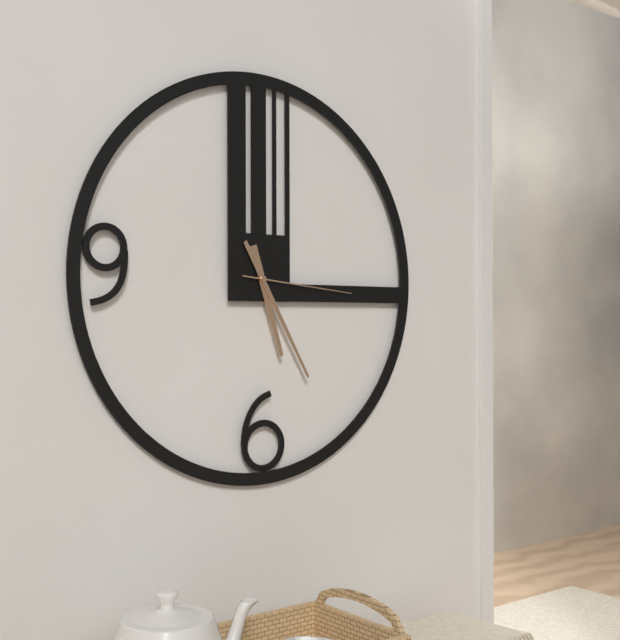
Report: 5:25:16
